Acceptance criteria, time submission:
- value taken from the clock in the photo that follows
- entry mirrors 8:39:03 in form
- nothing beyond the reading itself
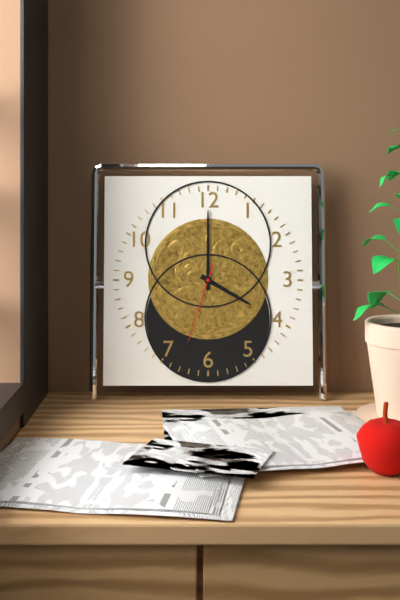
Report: 4:00:33
